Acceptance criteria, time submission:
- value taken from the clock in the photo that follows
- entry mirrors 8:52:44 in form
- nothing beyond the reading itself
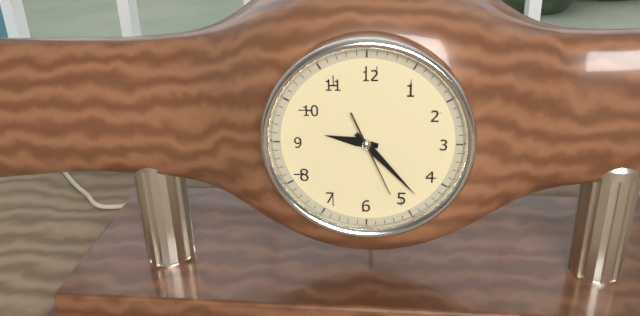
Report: 9:23:26
